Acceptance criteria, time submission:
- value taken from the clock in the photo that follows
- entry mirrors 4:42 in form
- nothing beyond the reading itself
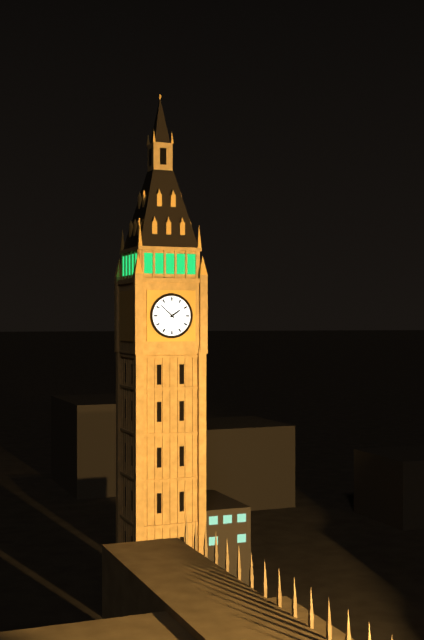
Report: 1:52
